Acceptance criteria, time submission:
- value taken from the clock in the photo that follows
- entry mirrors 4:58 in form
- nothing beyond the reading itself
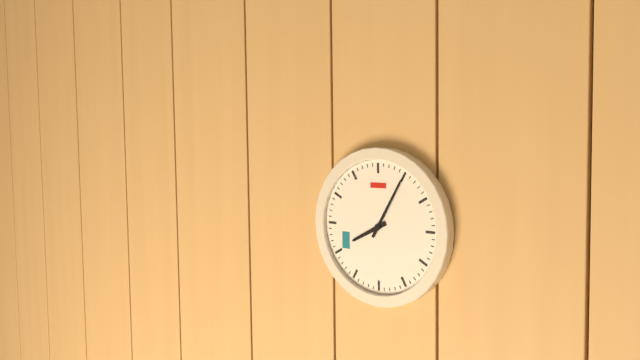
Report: 8:05
